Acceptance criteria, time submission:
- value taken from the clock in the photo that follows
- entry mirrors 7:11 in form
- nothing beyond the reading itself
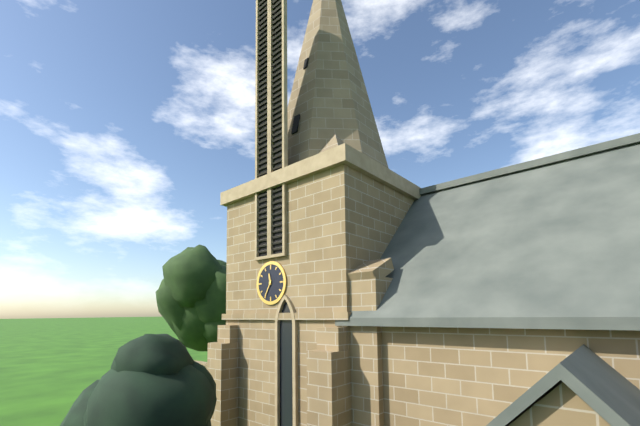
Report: 11:35
